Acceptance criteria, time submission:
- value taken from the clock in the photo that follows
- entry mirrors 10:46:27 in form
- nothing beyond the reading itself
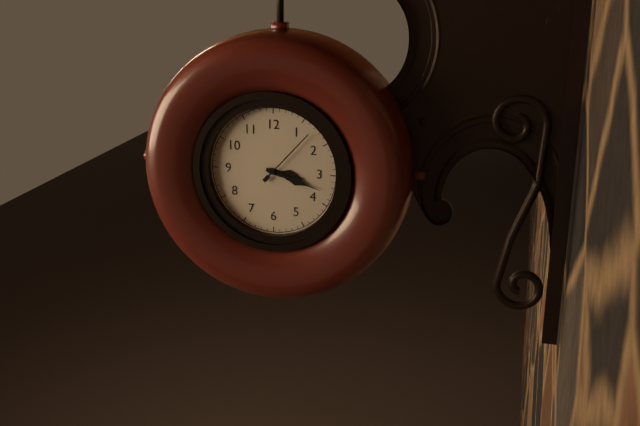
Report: 3:18:07
